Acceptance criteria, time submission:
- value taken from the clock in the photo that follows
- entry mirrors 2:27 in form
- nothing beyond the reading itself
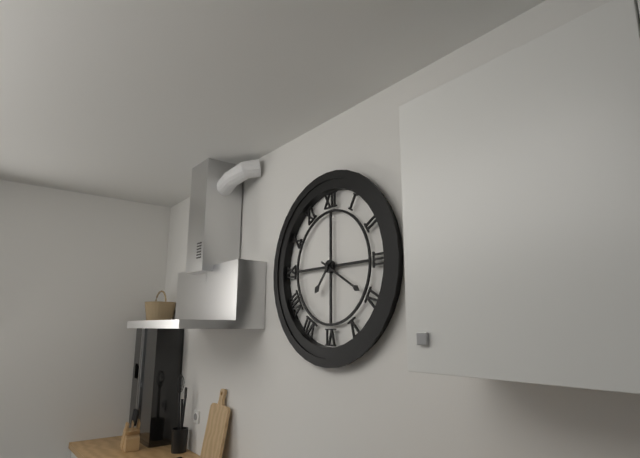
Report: 7:20
